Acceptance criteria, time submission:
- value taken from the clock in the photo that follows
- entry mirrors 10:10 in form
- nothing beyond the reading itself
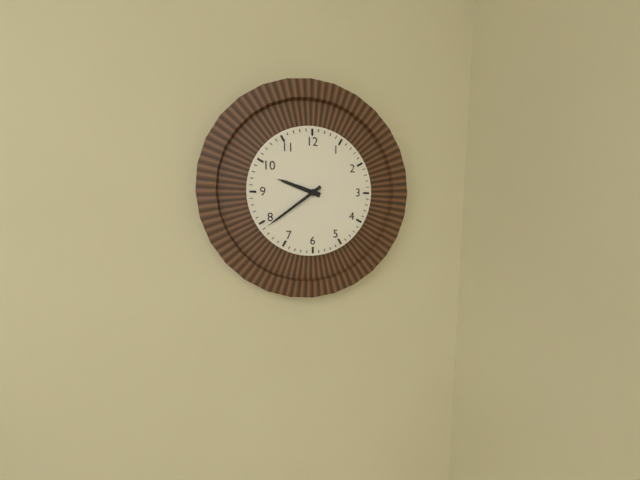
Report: 9:39
